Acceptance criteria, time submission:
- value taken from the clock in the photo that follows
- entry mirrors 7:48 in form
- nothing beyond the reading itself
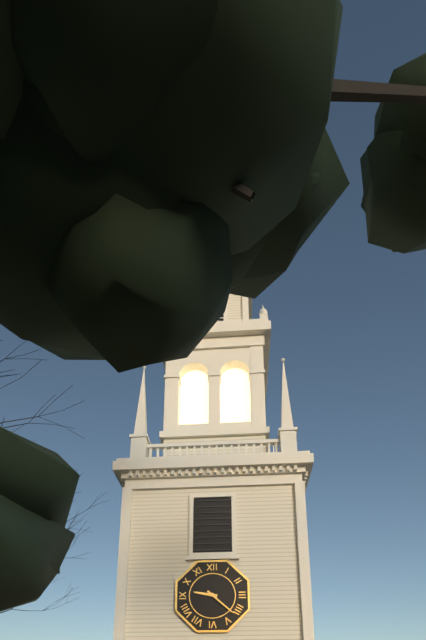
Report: 9:22
